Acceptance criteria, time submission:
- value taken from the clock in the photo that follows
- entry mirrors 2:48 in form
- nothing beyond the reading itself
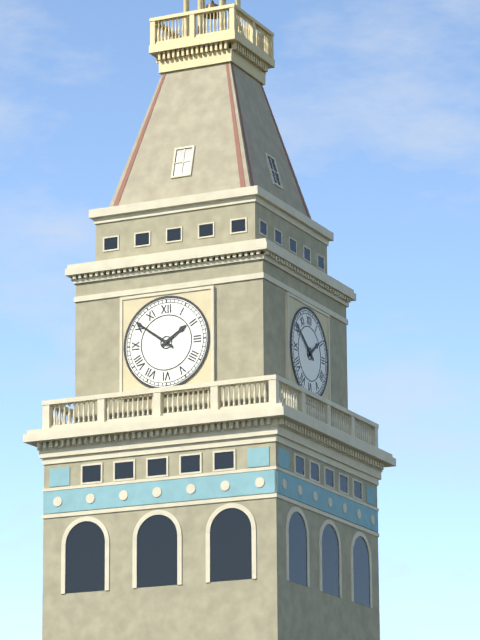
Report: 1:51
